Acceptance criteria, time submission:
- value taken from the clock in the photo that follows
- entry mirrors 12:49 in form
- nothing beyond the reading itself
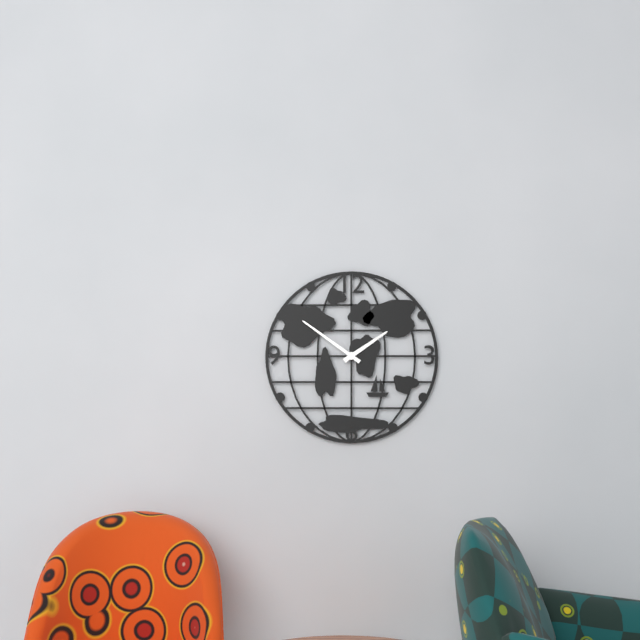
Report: 1:51
